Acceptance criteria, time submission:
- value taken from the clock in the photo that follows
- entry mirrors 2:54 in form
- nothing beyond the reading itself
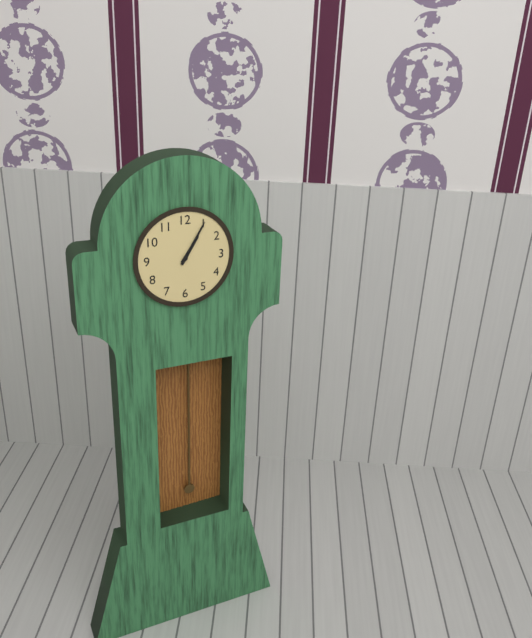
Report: 1:05
